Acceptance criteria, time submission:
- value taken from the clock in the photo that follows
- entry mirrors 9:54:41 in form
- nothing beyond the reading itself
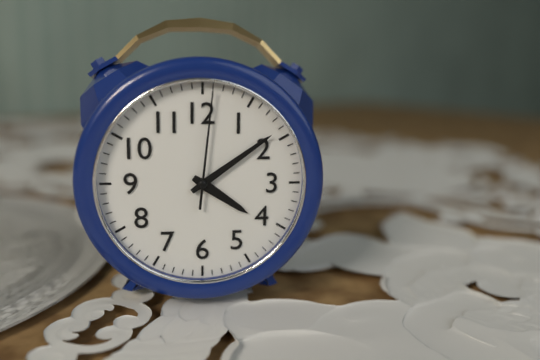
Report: 4:09:01
